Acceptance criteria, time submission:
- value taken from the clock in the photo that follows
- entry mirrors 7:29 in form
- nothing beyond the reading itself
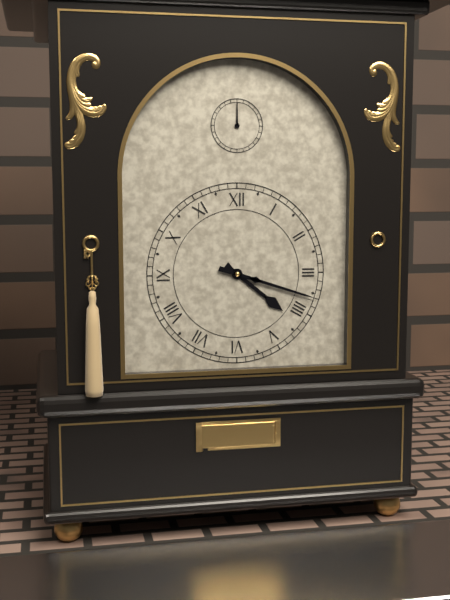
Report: 4:18
